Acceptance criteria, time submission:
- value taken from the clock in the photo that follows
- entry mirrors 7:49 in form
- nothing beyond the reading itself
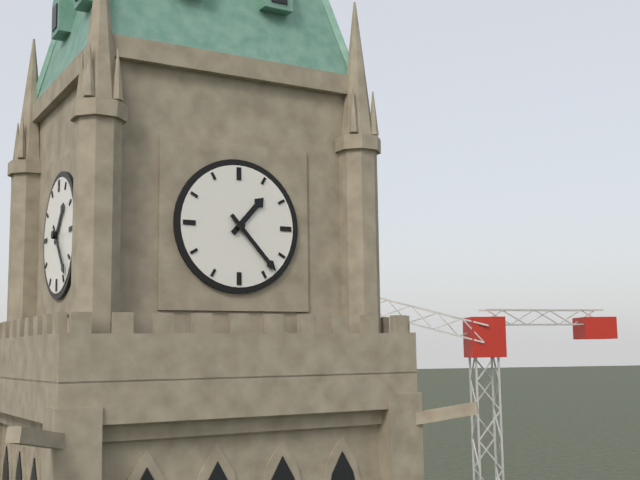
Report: 1:23
